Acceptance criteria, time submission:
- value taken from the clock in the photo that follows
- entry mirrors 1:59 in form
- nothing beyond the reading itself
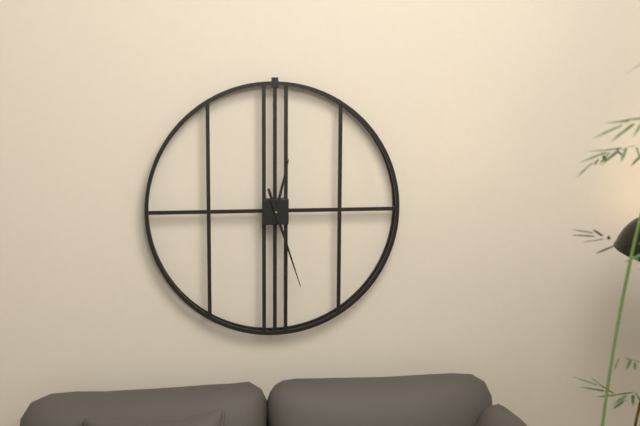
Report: 12:27
